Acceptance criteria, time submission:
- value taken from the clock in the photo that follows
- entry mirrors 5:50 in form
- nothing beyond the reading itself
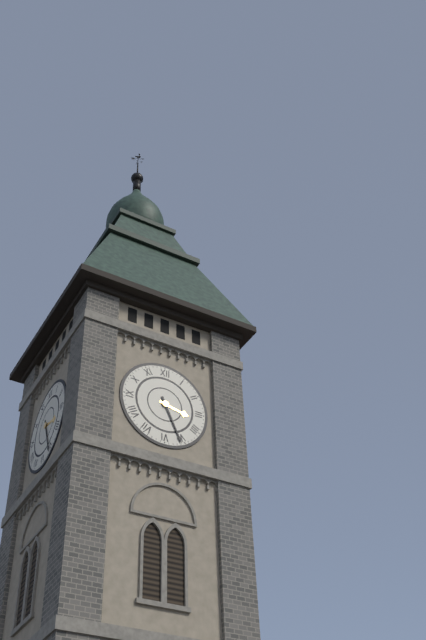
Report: 3:26
